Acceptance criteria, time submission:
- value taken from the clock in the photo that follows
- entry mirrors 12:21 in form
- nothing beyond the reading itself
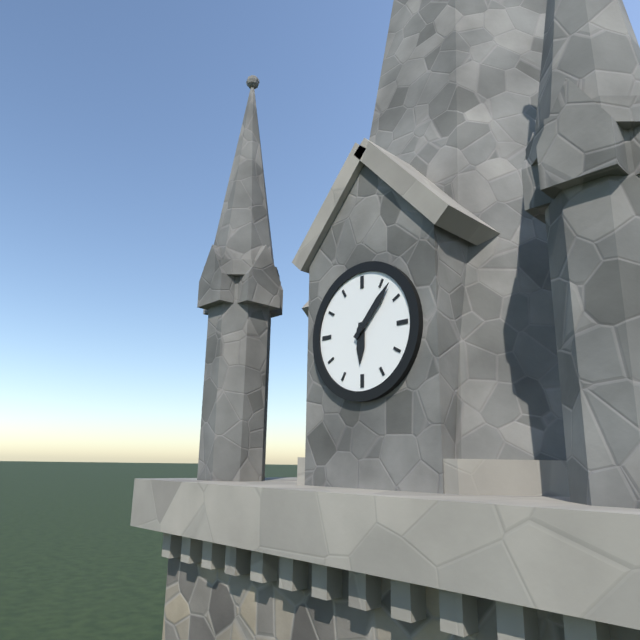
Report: 6:07
